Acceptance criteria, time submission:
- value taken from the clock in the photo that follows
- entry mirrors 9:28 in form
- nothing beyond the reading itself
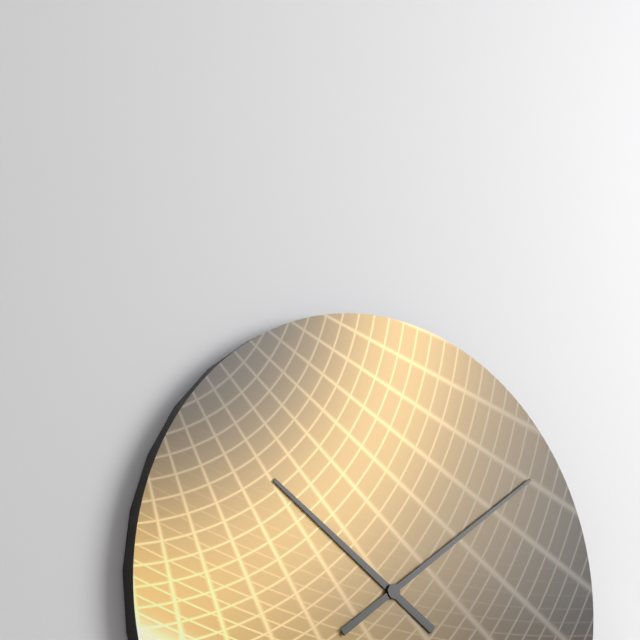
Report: 10:09
